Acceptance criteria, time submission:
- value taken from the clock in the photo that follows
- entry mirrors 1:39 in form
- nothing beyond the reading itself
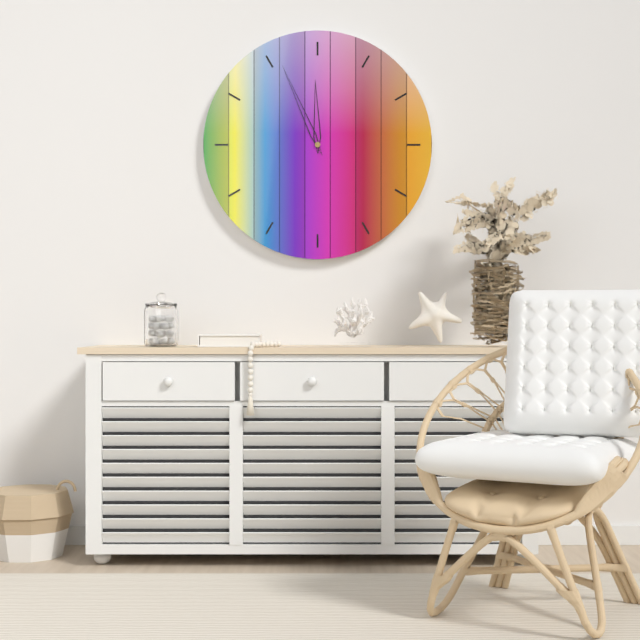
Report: 11:56
